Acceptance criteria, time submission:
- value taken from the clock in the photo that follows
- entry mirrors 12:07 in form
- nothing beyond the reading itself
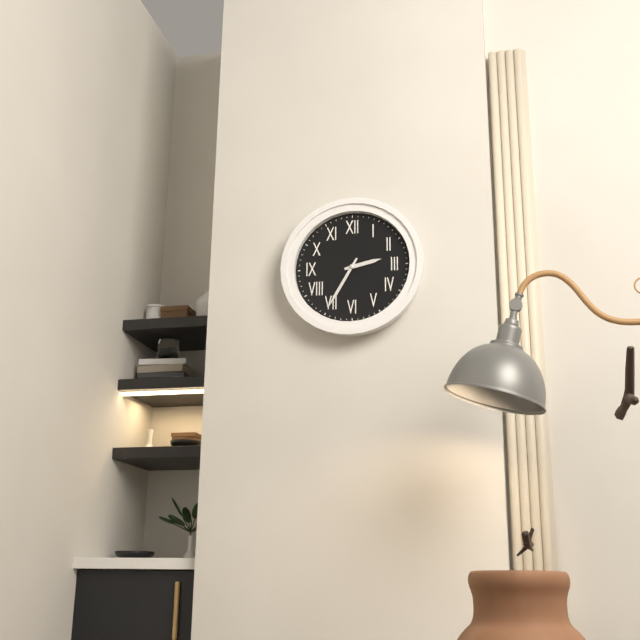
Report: 2:35
